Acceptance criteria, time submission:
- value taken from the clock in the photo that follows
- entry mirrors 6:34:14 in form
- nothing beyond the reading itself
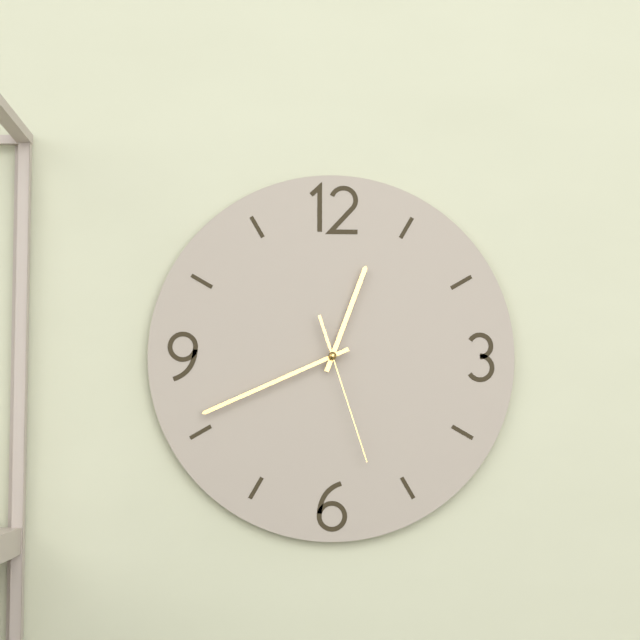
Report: 12:41:27
